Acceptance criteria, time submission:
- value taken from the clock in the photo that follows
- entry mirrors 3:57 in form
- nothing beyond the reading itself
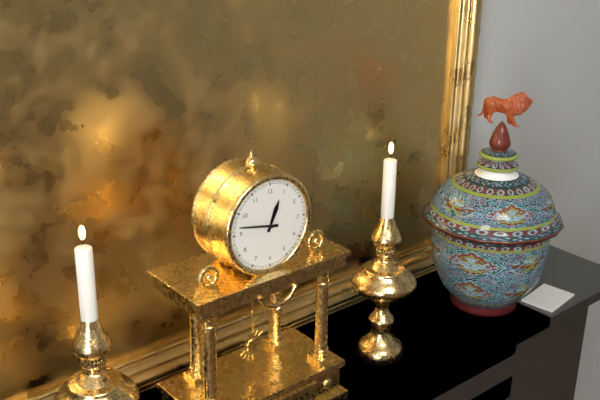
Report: 12:47
